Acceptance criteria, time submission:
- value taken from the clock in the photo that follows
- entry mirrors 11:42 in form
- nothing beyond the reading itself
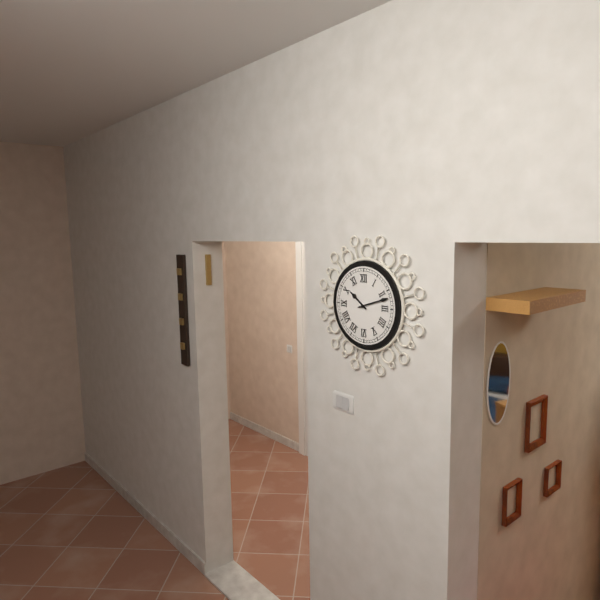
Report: 10:12
